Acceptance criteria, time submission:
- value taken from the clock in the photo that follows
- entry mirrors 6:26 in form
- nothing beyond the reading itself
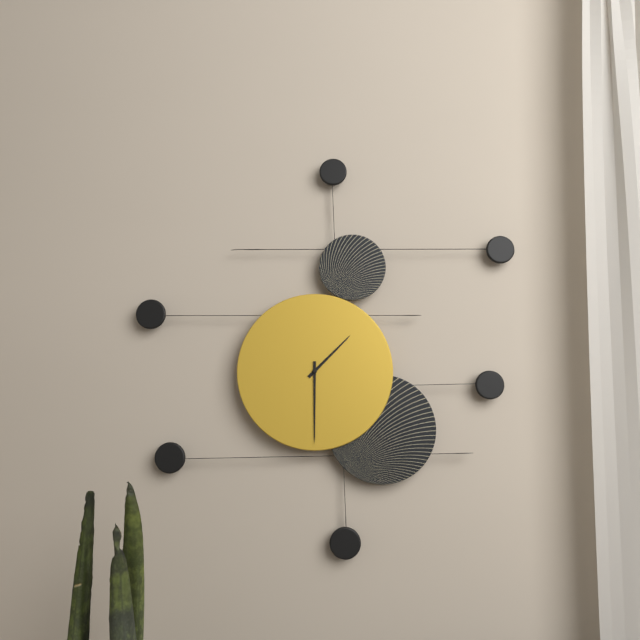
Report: 1:30
